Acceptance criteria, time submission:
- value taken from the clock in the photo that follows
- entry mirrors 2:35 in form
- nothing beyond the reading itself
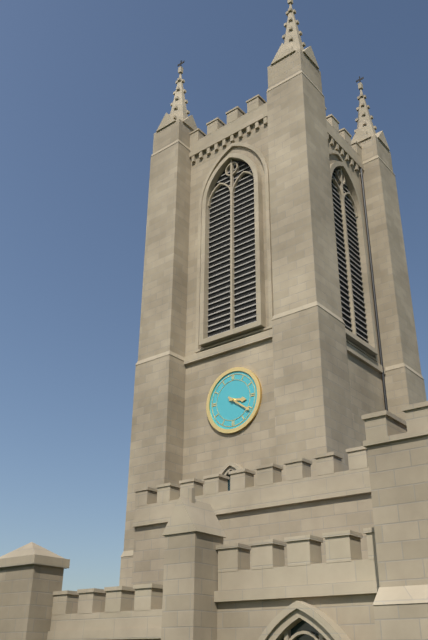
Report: 3:21
